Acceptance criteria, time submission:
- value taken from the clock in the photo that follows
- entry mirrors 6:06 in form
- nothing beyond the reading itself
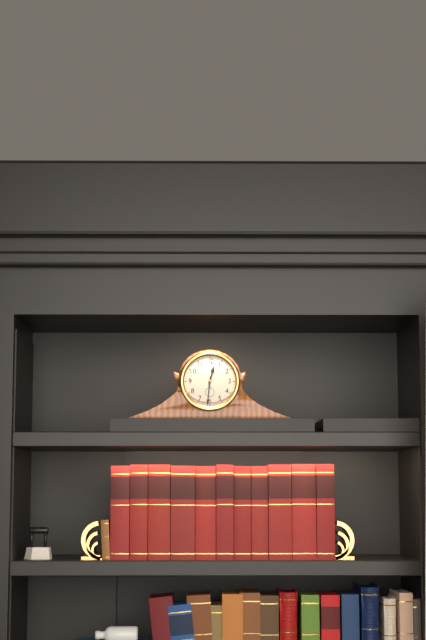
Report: 12:31
